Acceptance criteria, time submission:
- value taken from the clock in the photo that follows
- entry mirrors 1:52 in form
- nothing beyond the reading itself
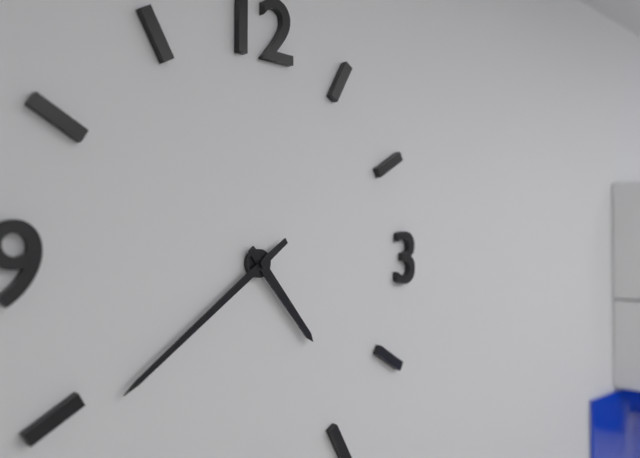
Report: 4:39
